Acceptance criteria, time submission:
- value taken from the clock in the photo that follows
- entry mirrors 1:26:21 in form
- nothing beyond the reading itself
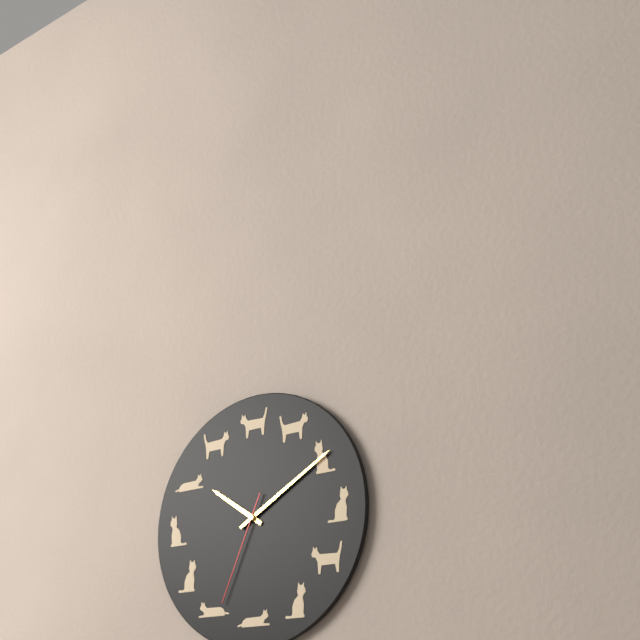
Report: 10:10:34
